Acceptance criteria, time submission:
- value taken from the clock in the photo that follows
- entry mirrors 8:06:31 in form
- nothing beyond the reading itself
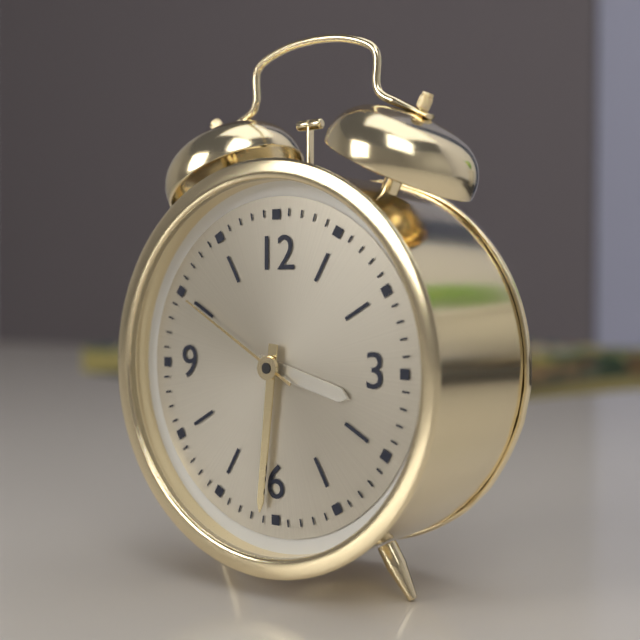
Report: 3:31:50
